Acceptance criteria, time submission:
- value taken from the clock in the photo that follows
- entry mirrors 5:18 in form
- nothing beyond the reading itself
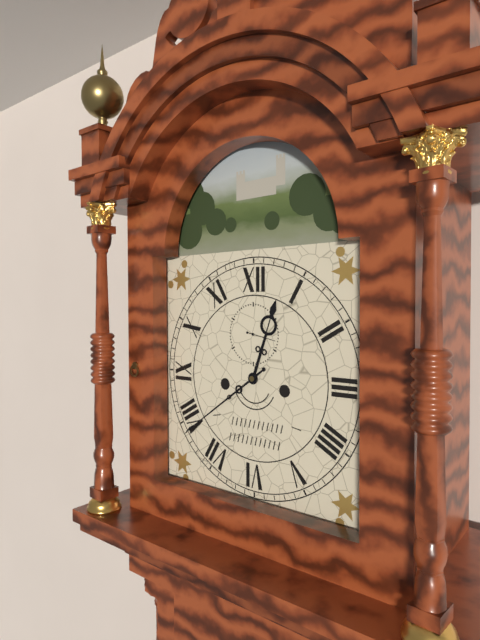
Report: 12:39
